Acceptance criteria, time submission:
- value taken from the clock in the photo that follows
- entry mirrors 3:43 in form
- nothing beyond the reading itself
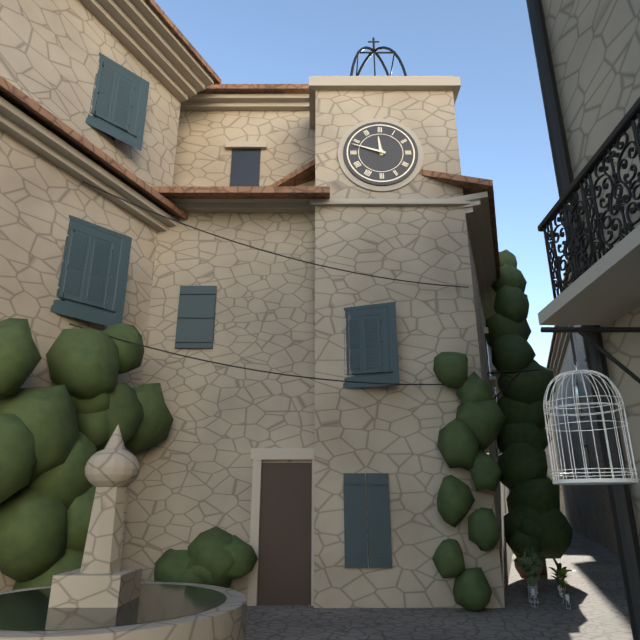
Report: 11:48
